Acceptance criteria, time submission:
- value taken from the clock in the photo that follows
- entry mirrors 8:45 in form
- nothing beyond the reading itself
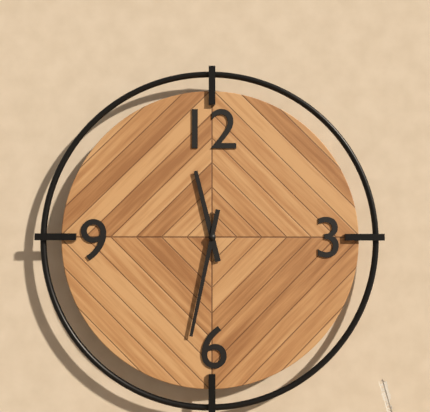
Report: 11:32
